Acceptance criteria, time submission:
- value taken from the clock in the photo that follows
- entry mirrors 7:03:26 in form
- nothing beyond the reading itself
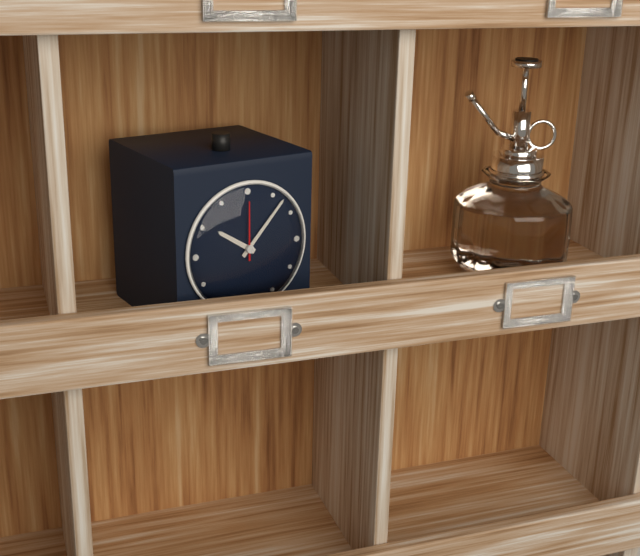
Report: 10:07:00
